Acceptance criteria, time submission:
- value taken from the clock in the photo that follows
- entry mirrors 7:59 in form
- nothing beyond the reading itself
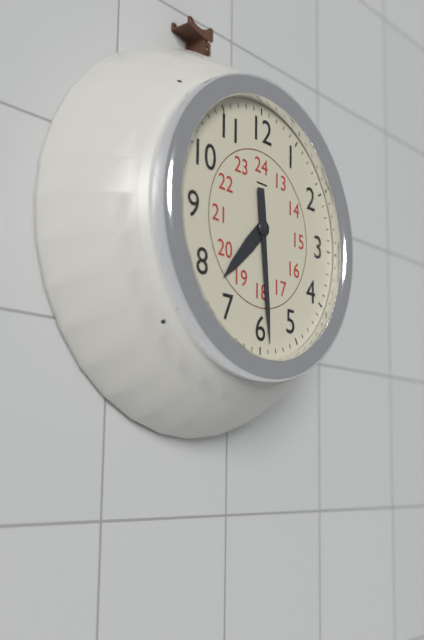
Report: 7:29
